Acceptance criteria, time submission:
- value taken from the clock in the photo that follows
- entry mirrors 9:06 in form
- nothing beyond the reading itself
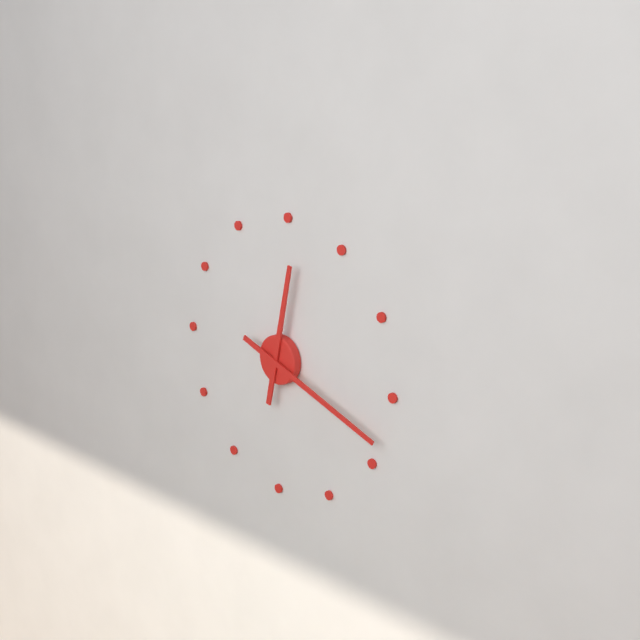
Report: 12:18
